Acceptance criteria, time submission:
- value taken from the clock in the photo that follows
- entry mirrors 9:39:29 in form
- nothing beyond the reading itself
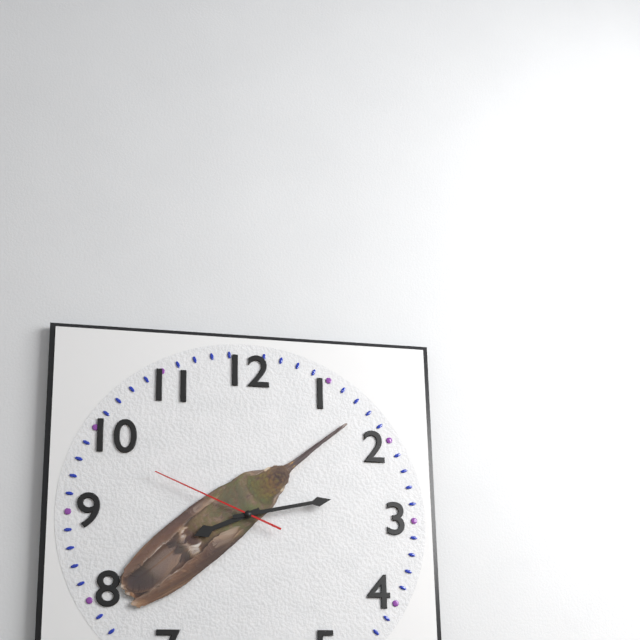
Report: 8:13:49
